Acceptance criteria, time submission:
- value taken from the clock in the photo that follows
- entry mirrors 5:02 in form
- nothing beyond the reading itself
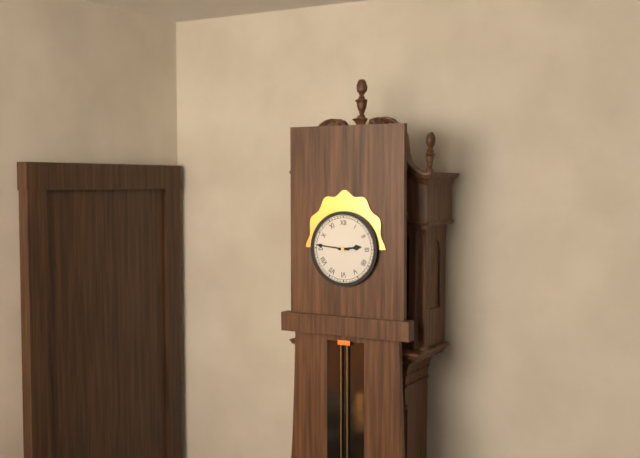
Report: 2:46
